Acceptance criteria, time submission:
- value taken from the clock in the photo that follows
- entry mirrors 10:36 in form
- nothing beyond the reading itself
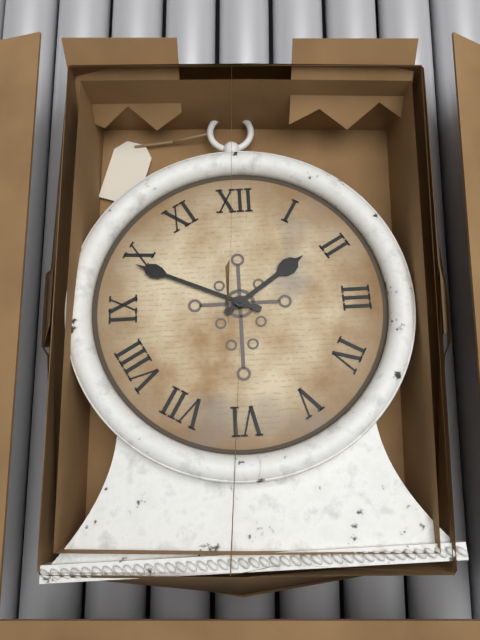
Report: 1:49
